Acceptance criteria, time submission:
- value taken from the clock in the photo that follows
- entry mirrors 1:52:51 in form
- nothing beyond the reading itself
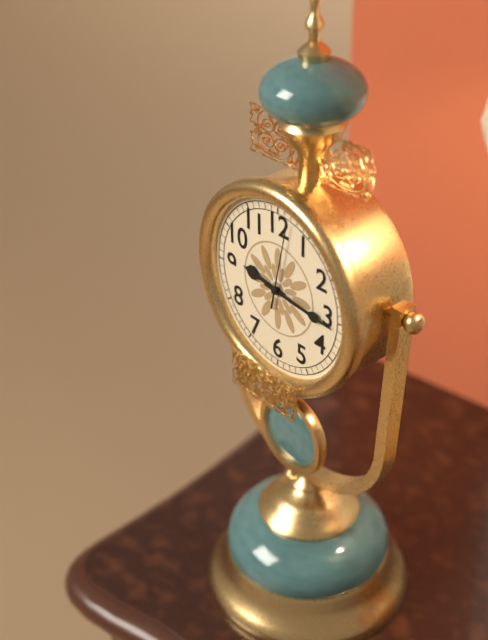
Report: 9:16:02
